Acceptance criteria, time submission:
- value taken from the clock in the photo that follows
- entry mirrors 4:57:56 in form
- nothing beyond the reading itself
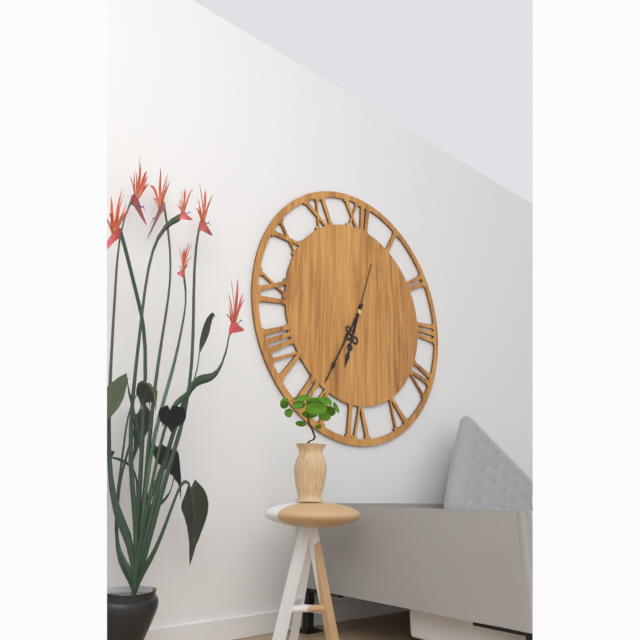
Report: 6:35:03
